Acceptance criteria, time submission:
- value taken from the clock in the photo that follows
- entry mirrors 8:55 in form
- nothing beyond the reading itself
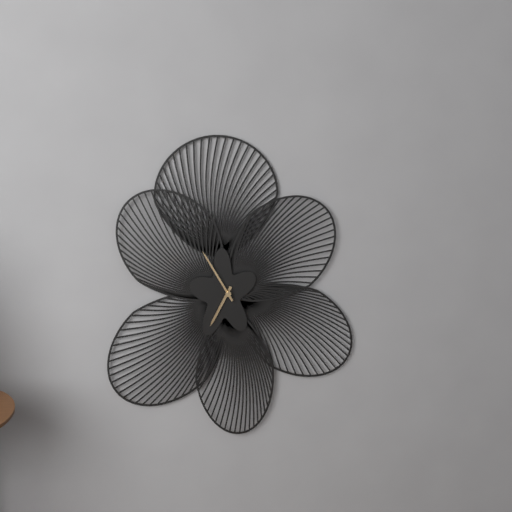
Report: 6:55
